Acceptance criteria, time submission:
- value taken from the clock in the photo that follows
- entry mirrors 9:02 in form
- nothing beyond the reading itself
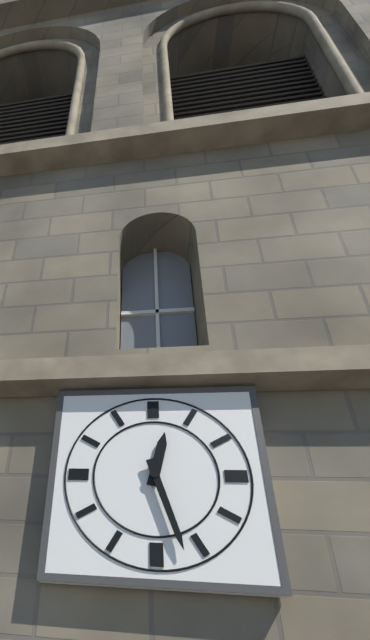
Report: 12:27
